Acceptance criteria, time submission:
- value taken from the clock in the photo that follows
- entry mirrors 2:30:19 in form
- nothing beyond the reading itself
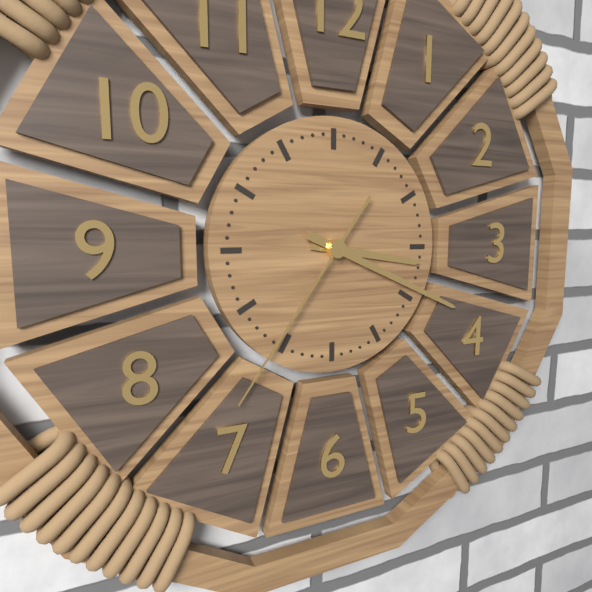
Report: 3:19:36
